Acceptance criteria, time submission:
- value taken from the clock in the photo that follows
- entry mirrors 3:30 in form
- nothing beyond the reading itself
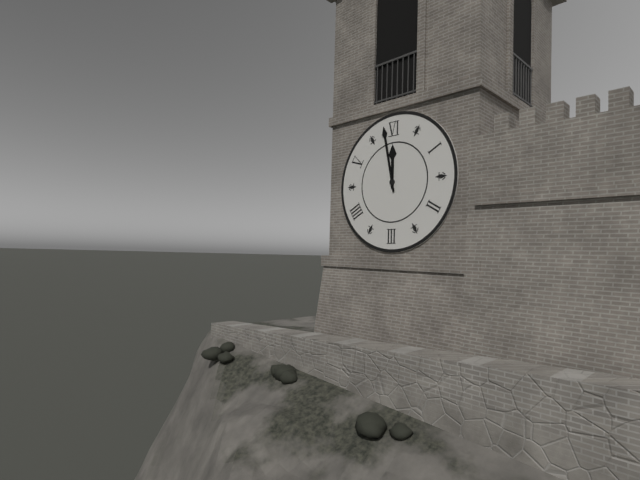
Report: 11:58
